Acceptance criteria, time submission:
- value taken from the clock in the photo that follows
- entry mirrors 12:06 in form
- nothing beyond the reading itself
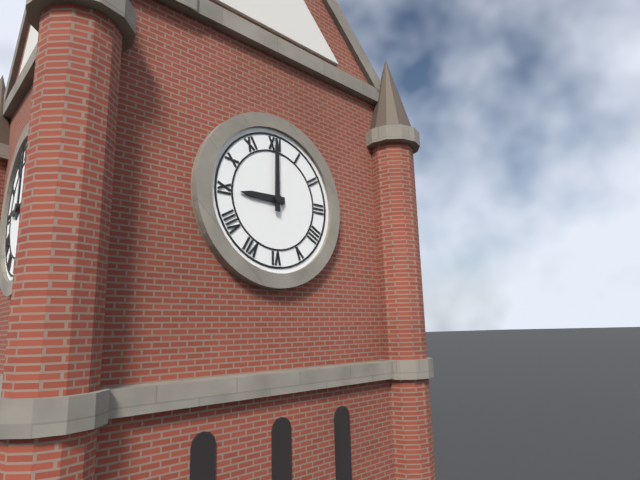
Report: 9:00
